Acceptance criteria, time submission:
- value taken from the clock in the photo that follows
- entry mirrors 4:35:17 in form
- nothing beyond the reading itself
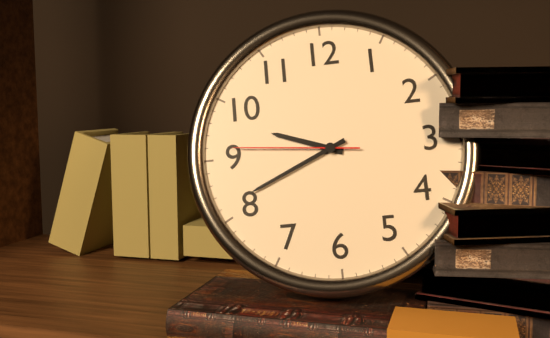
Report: 9:41:46
